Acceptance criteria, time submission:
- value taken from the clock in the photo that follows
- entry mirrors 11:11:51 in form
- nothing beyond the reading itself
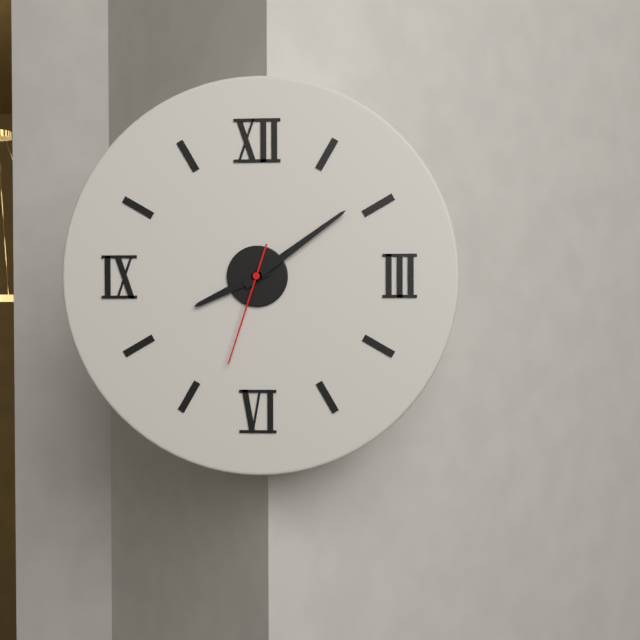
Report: 8:09:33
